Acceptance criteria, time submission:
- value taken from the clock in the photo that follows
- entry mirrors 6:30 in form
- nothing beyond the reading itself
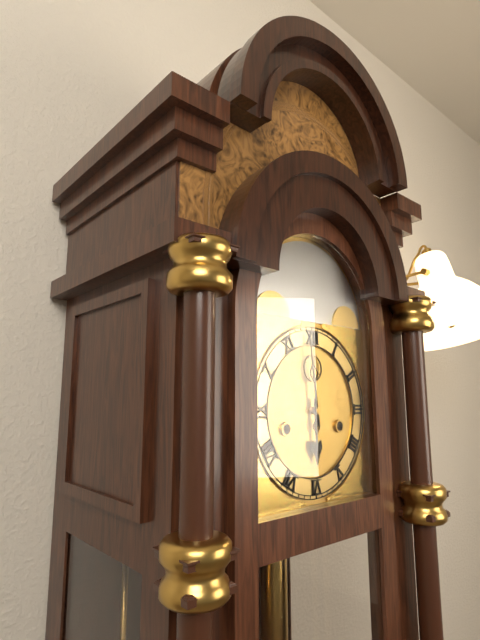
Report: 5:59
